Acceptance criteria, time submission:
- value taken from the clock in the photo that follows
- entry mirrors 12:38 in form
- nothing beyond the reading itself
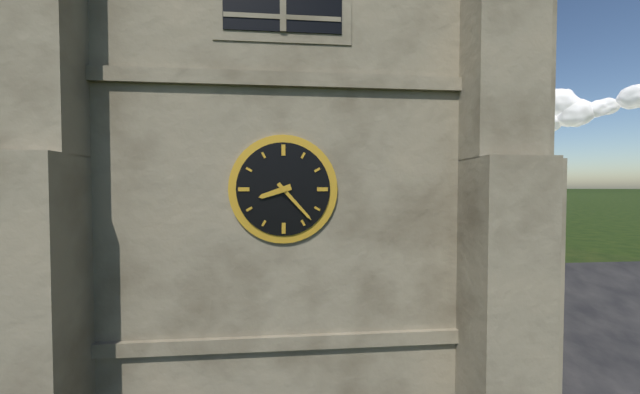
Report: 8:23
